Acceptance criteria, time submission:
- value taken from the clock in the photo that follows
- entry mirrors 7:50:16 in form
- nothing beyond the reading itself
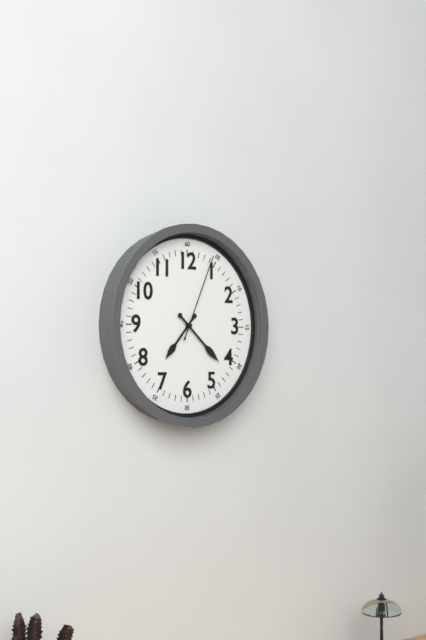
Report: 7:22:04
